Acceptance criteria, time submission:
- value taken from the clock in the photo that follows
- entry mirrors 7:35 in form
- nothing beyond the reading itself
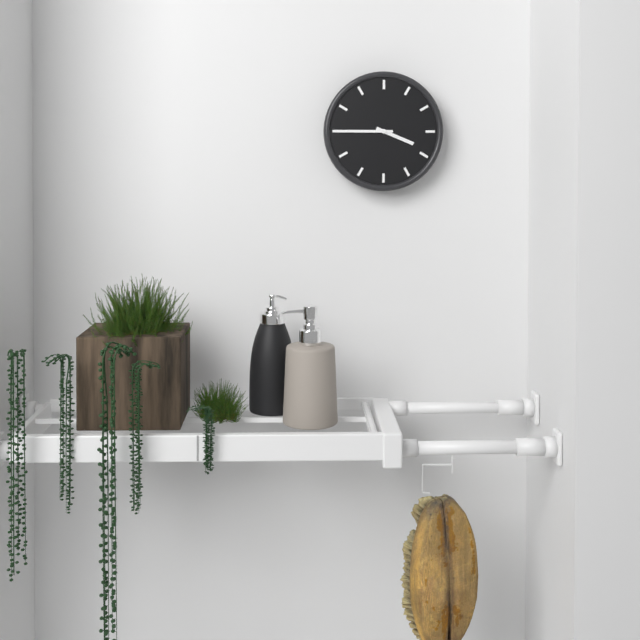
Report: 3:45
